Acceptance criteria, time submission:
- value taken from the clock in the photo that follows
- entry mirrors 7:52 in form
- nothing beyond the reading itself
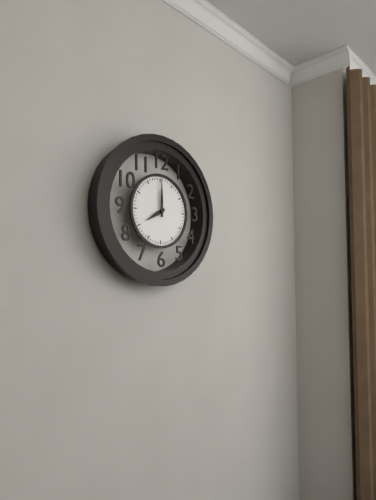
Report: 8:00
